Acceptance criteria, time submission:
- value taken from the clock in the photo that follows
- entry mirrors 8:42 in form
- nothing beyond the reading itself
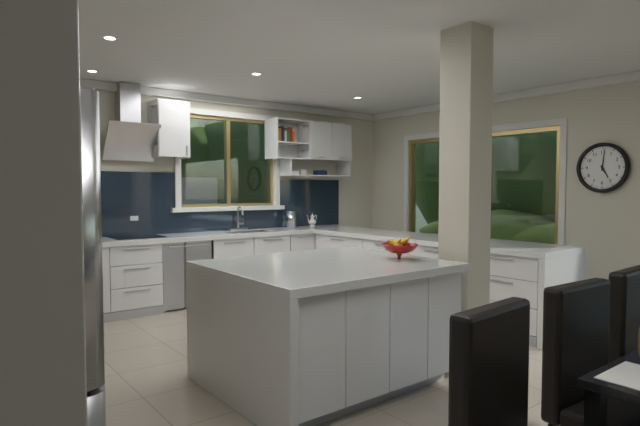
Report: 5:01
